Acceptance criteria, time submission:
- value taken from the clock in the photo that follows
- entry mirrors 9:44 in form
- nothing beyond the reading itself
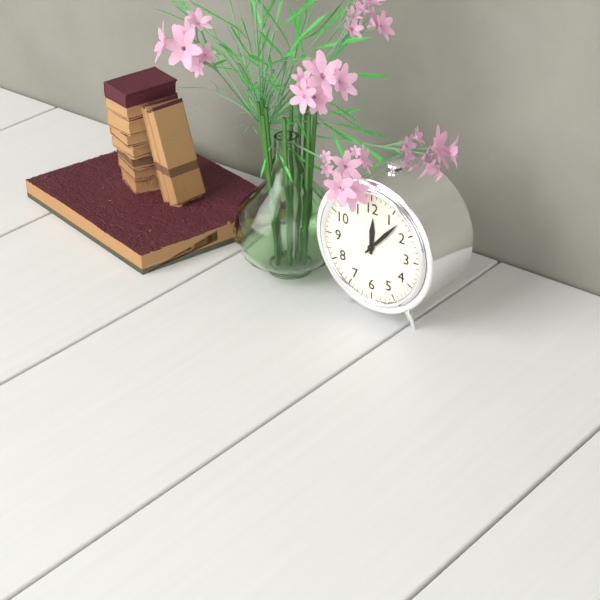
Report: 12:07
